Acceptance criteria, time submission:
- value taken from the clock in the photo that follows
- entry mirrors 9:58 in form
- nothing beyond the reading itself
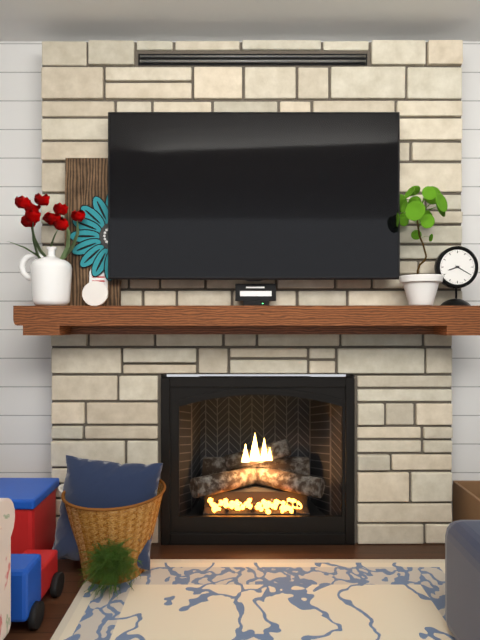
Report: 8:20
